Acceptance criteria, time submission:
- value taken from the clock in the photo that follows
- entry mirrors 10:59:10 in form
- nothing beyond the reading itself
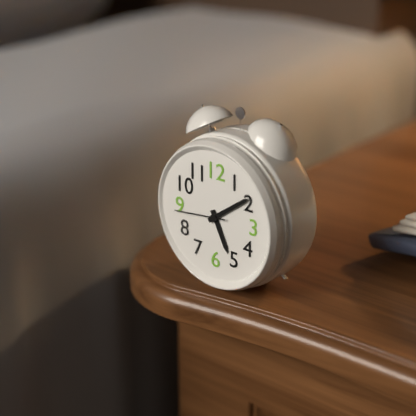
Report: 5:09:44
